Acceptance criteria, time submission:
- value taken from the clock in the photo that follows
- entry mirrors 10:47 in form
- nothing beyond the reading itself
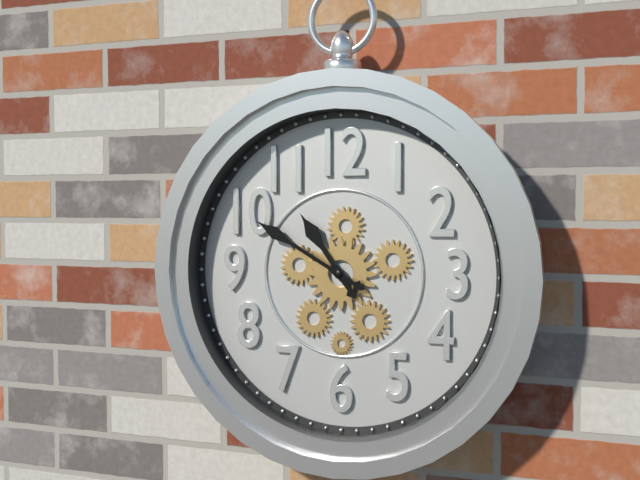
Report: 10:50
